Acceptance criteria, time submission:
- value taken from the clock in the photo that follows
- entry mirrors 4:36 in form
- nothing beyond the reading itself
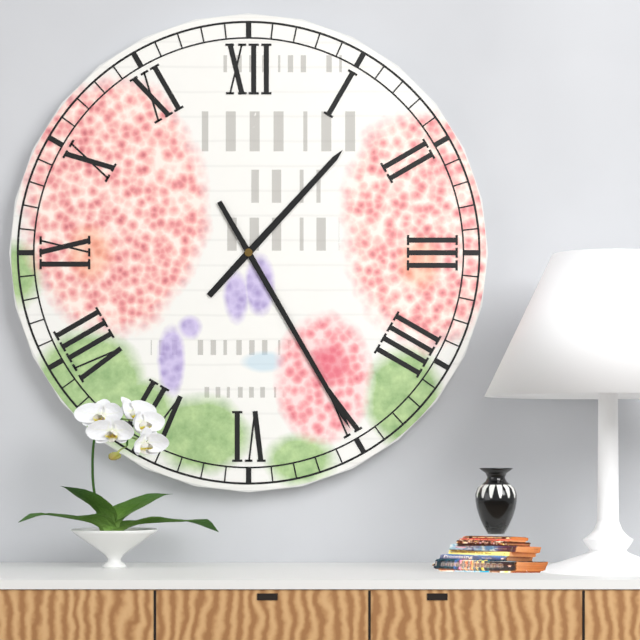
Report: 1:25
